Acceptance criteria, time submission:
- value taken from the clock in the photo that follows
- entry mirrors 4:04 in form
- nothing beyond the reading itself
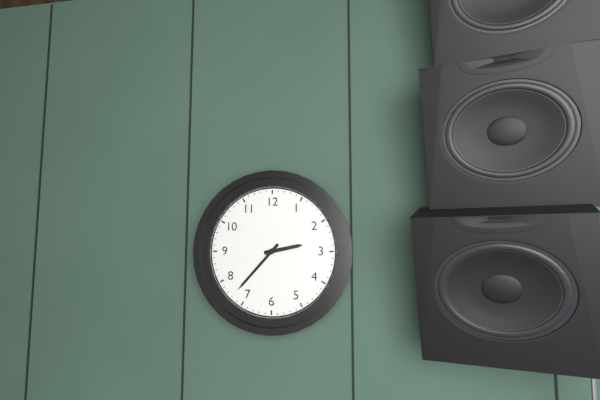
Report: 2:37
